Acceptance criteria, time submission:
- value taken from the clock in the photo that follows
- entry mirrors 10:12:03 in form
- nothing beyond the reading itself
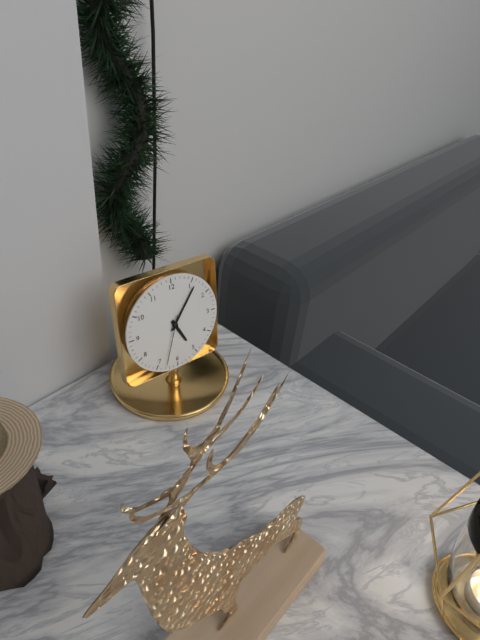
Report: 5:06:33
